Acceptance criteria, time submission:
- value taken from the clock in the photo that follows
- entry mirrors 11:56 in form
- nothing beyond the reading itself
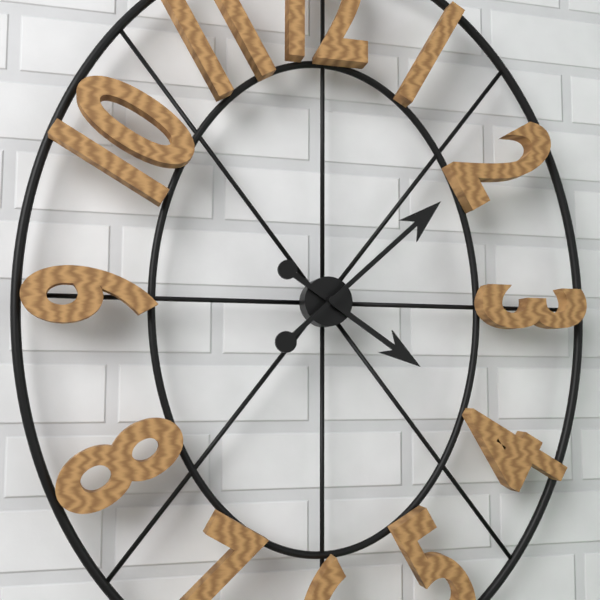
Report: 4:08
